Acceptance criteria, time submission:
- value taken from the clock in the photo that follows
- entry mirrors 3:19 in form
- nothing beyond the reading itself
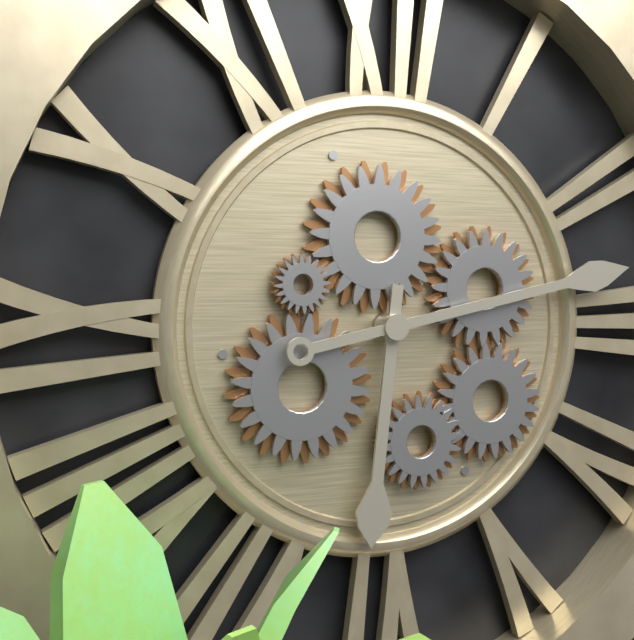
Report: 6:13
